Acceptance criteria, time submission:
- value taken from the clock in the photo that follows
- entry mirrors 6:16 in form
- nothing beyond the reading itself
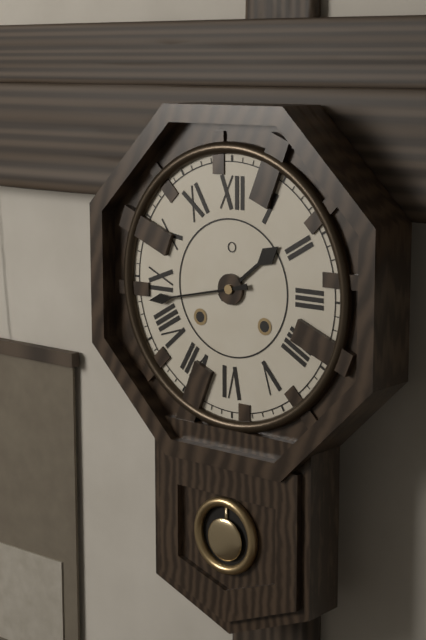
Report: 1:43
